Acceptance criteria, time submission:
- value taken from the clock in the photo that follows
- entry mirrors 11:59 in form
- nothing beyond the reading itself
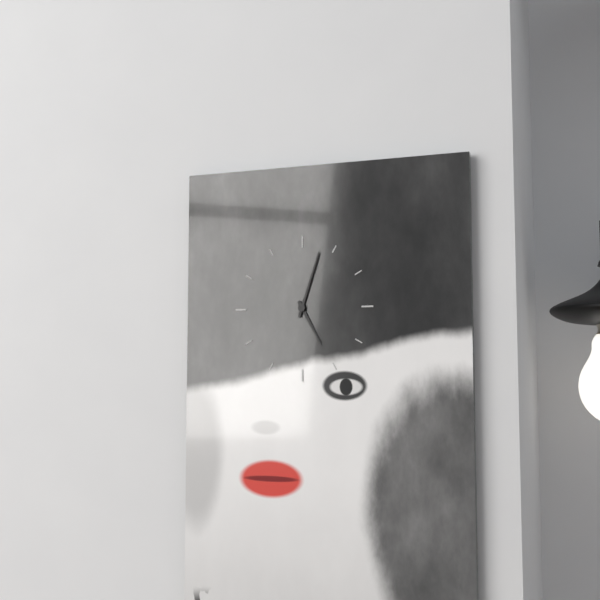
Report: 5:03
